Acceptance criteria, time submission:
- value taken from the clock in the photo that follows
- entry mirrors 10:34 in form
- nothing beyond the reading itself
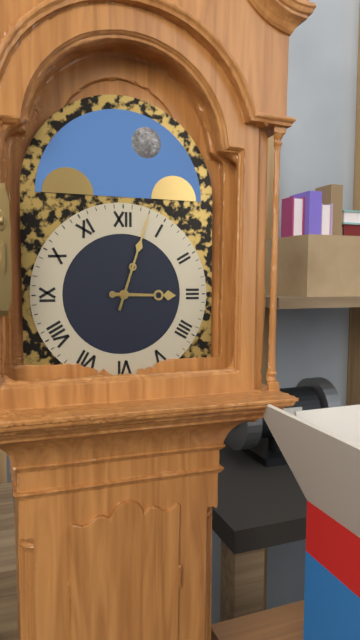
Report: 3:03
